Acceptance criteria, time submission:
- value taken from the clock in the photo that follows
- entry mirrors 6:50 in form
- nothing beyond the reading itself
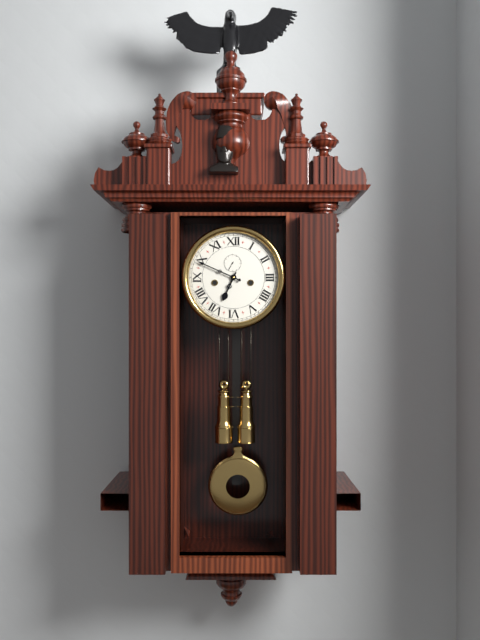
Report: 6:49
